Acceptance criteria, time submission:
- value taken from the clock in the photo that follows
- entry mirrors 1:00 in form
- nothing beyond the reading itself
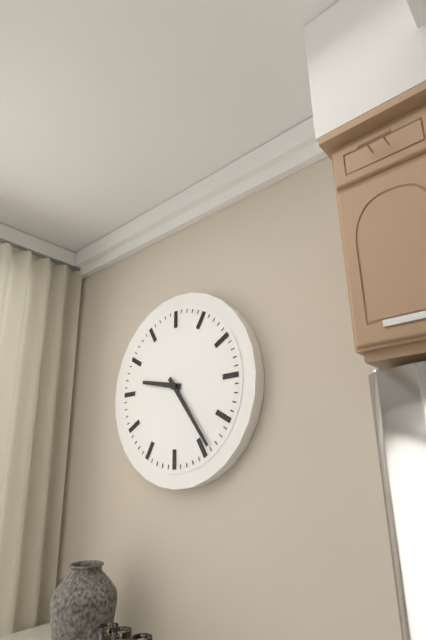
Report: 9:24
